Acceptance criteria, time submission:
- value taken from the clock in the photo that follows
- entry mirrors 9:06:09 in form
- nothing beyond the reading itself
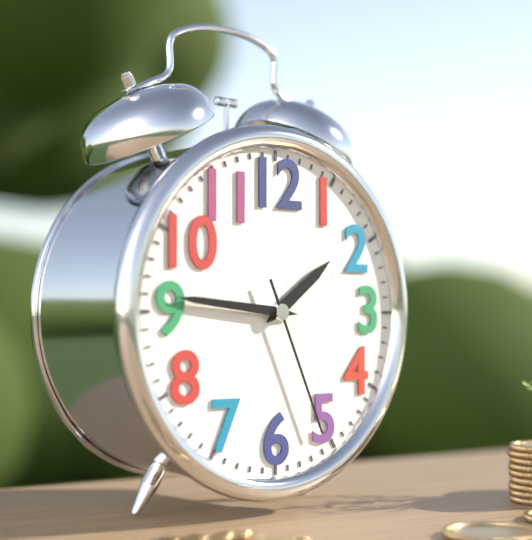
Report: 1:46:26
